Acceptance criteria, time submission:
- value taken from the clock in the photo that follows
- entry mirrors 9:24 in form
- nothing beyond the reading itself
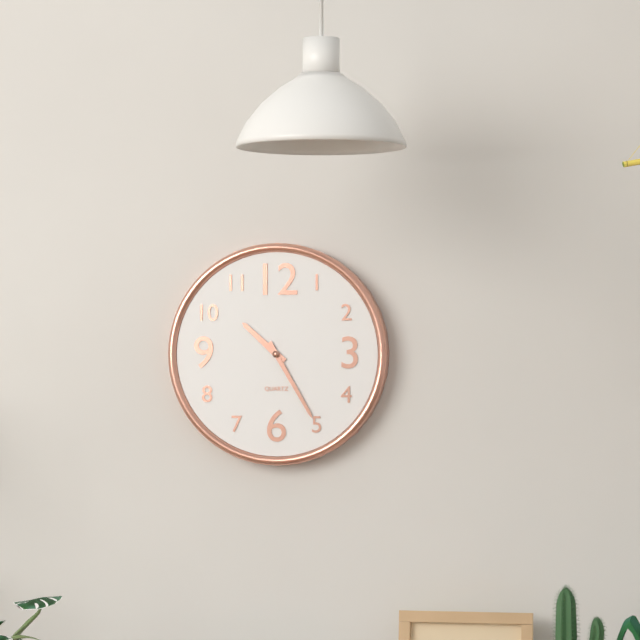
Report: 10:25
